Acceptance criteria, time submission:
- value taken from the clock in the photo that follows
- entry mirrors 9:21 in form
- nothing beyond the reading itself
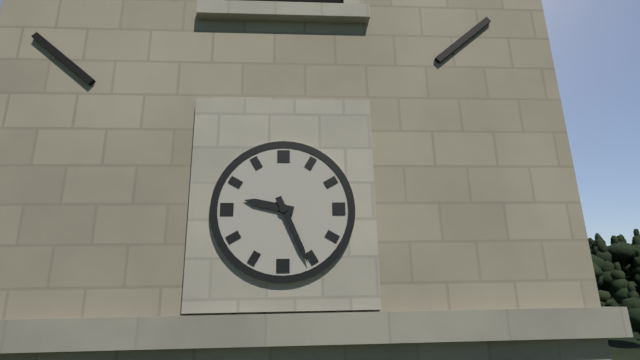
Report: 9:26
